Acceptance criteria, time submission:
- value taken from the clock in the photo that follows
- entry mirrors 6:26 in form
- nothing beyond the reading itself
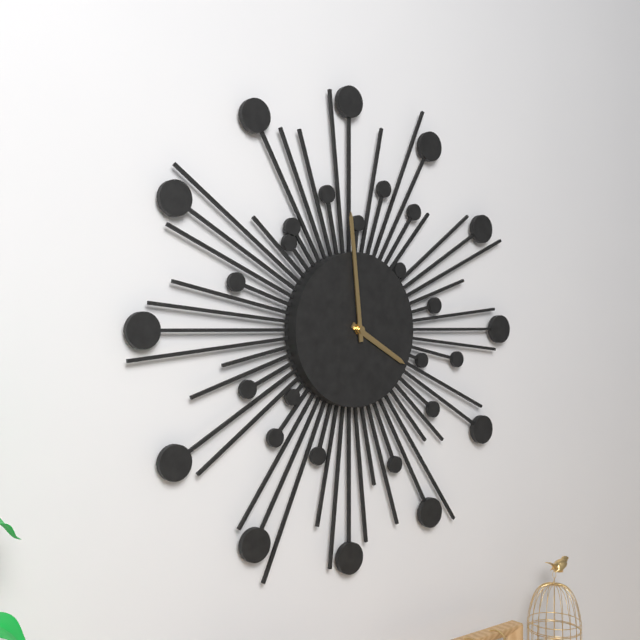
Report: 3:59
